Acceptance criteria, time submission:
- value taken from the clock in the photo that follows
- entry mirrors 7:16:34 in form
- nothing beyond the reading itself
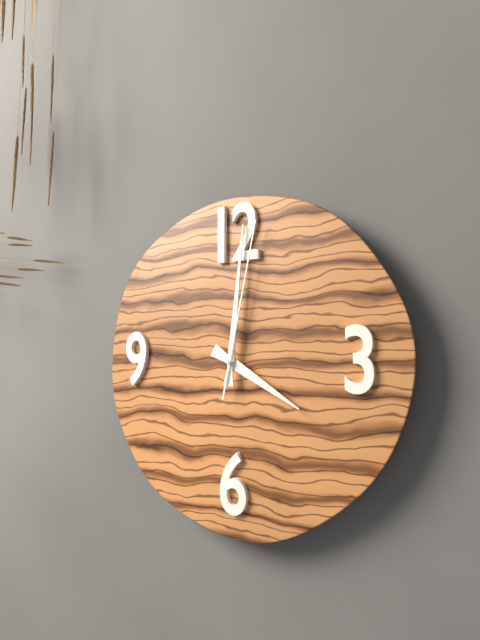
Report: 4:01:02
